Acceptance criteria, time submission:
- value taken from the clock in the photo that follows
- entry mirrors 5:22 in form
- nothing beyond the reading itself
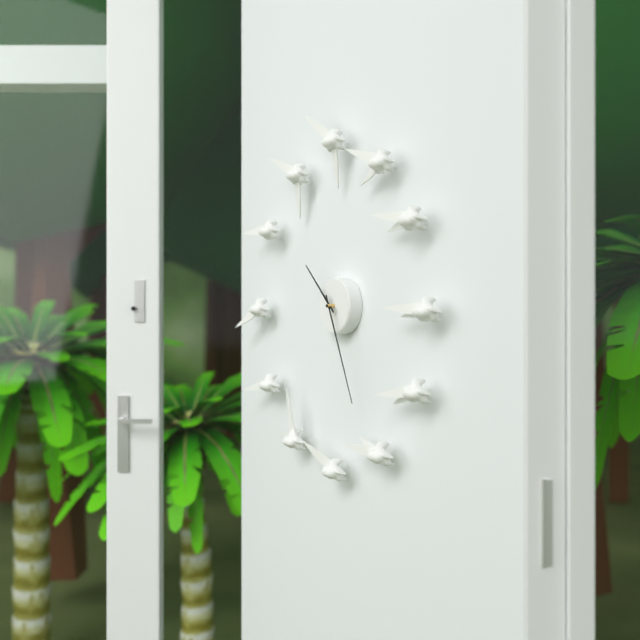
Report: 10:26
